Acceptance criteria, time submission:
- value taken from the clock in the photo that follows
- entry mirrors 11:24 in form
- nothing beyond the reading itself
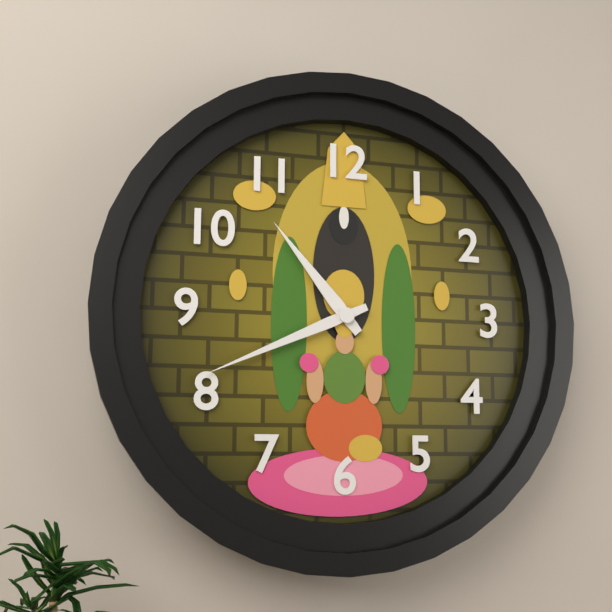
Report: 10:41
